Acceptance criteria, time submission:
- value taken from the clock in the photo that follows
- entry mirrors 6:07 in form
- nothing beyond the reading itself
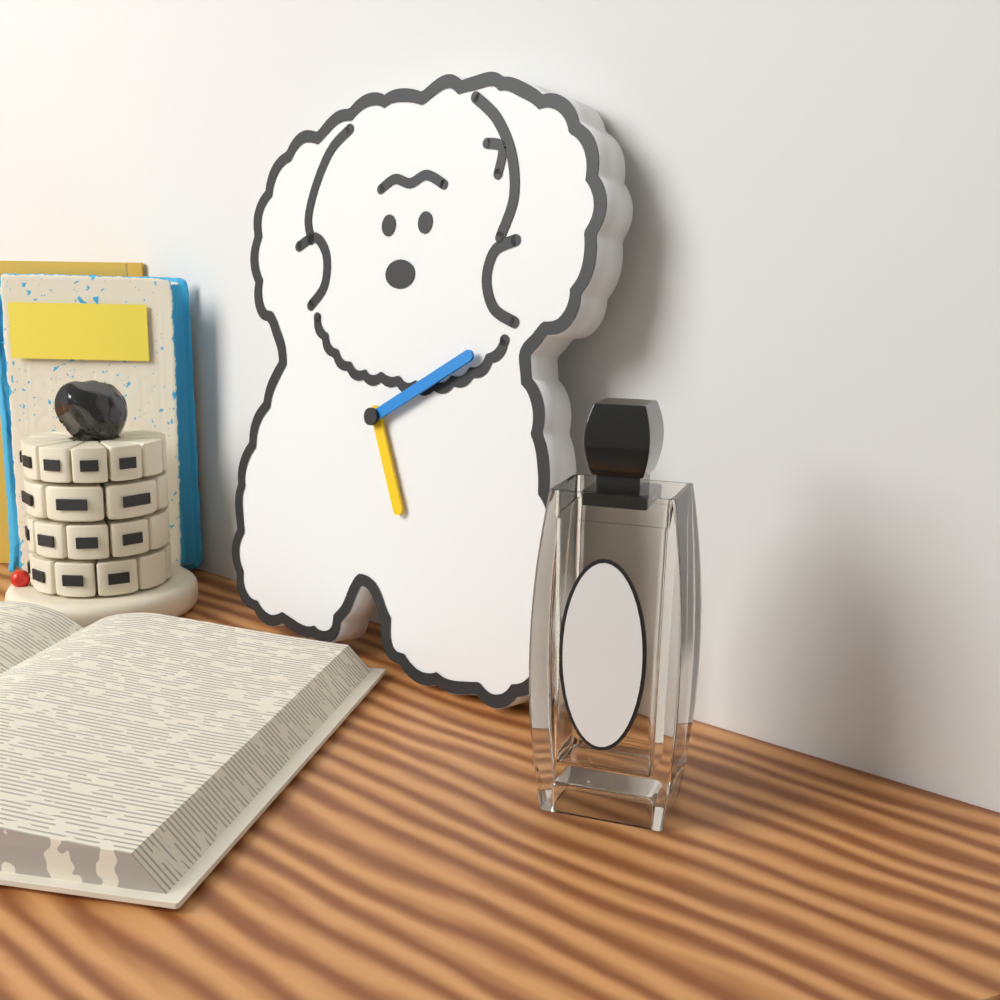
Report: 5:10
